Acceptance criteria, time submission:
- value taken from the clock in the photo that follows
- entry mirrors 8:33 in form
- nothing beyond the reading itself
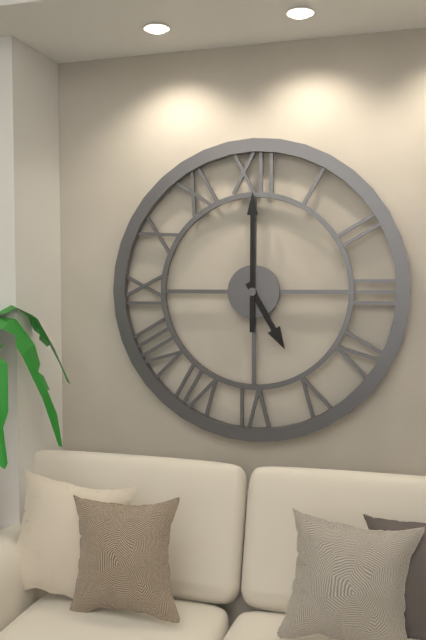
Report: 5:00
